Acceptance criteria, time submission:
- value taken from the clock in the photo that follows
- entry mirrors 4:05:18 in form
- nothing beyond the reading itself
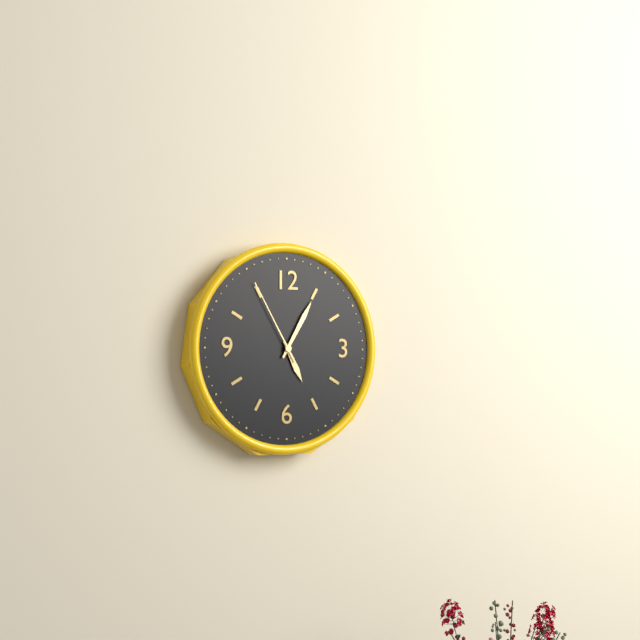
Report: 5:05:55
